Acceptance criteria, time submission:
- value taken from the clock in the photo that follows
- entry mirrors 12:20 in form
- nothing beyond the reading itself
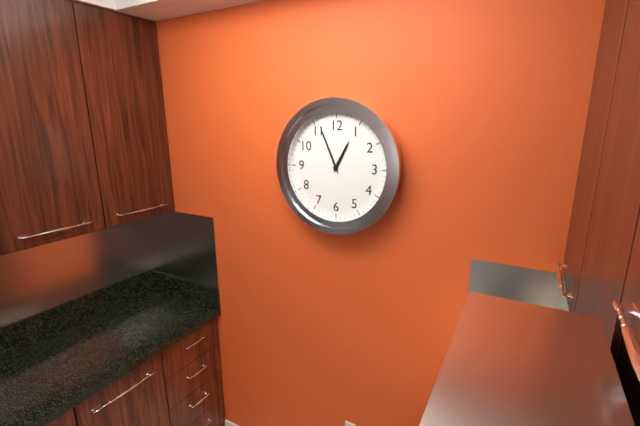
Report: 12:56
